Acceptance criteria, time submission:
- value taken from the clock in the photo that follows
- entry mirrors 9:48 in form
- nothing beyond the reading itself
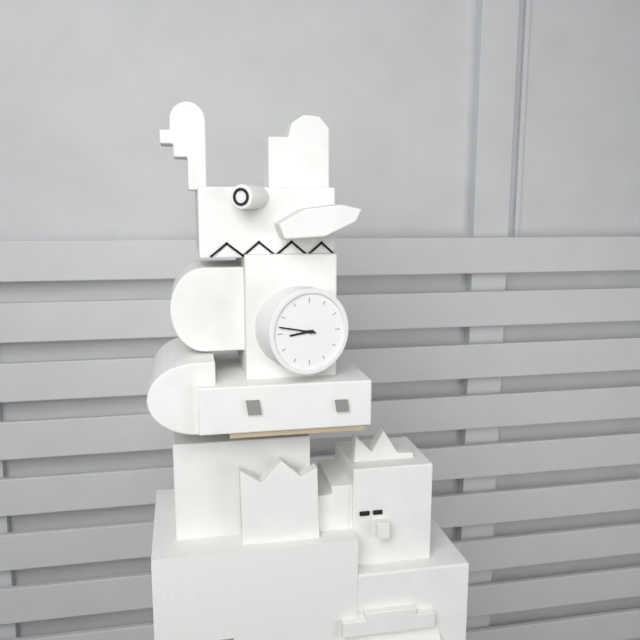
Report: 8:47
